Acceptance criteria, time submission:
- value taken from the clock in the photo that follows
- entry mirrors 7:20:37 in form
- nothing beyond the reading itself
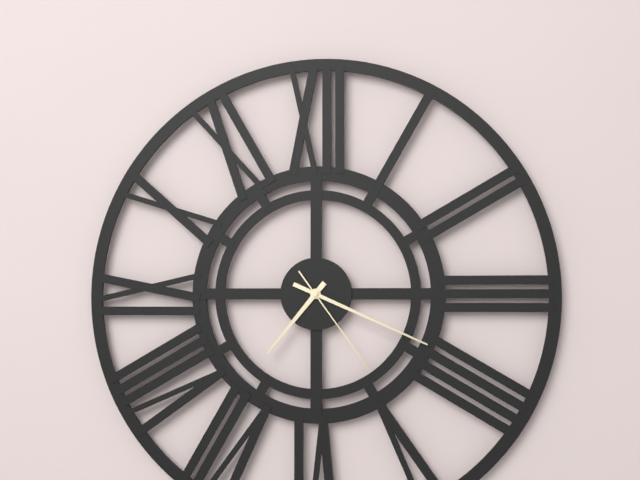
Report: 7:19:24
